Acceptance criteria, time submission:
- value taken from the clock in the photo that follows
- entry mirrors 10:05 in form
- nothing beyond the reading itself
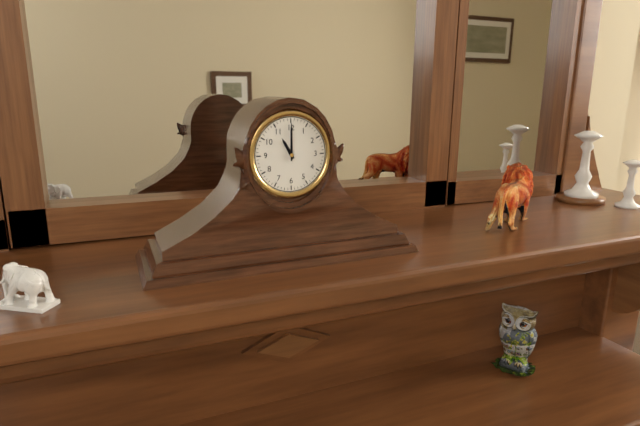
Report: 11:00
